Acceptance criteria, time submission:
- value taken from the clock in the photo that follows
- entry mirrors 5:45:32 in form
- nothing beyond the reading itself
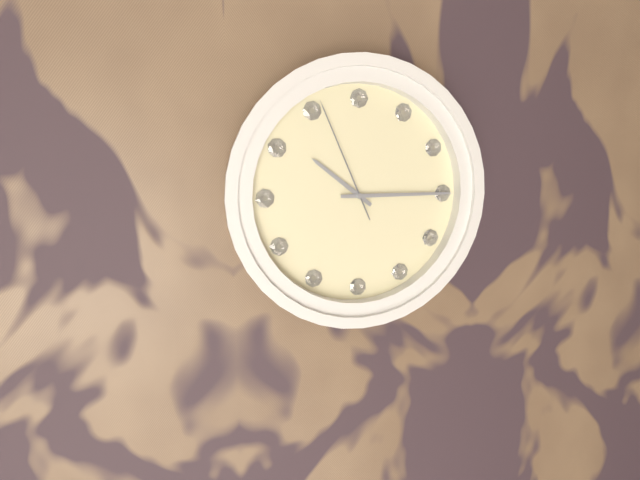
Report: 10:15:56
